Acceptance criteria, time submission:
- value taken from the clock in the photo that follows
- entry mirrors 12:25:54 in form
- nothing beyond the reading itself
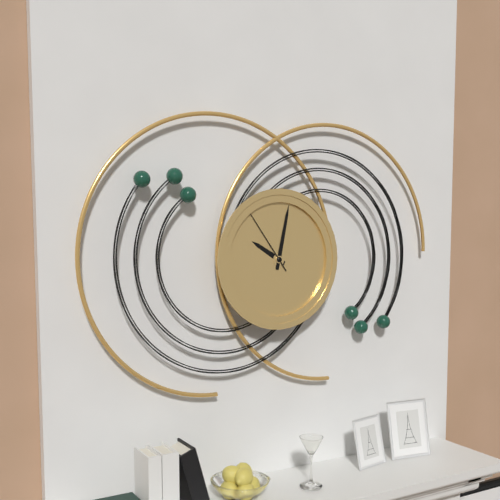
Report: 10:02:54
